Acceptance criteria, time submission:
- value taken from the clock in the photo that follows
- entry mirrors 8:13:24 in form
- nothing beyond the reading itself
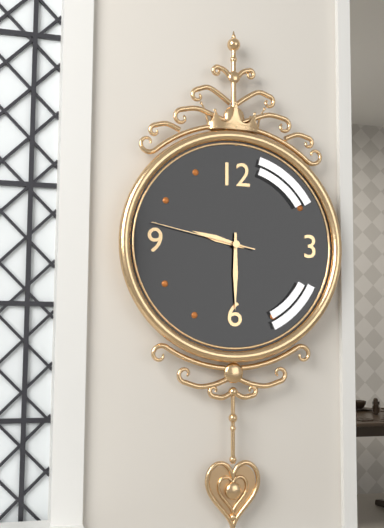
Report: 9:30:47
